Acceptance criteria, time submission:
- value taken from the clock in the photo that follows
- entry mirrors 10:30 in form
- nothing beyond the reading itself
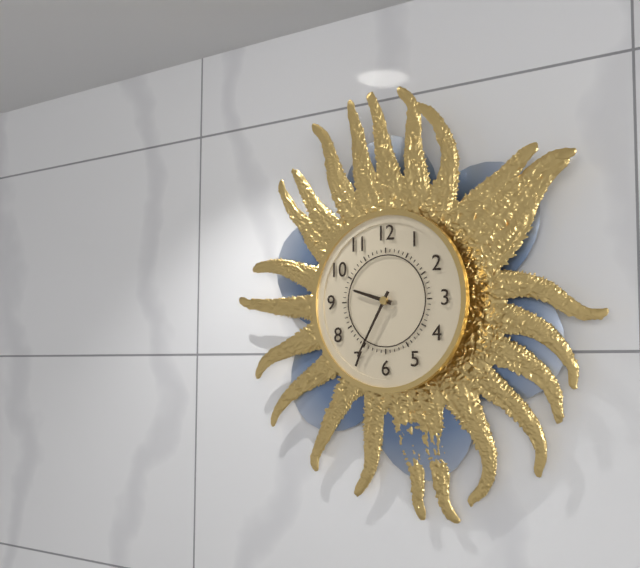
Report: 9:35
